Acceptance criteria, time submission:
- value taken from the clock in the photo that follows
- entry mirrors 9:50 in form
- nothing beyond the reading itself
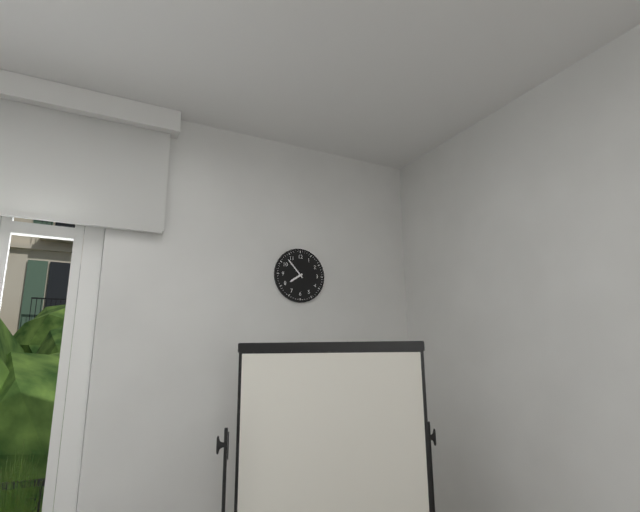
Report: 7:53
